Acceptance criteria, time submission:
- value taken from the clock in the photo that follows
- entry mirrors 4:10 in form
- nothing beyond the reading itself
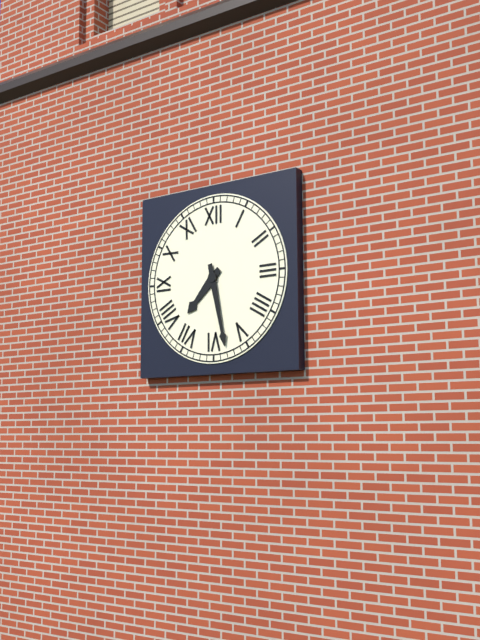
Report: 7:28
